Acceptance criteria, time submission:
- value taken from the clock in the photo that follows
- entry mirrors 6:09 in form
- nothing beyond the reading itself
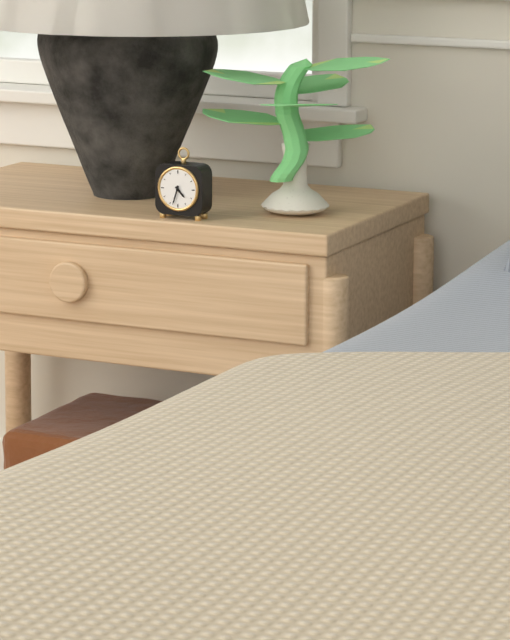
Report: 4:33
